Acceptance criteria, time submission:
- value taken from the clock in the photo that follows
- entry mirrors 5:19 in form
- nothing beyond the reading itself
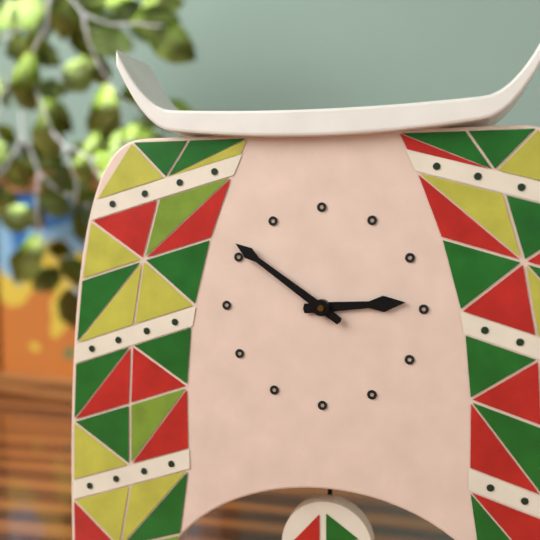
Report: 2:51
